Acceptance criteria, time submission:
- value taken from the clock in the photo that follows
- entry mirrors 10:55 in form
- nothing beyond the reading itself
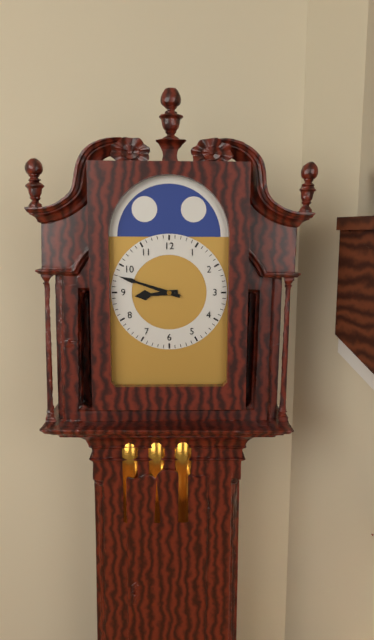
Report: 8:48
